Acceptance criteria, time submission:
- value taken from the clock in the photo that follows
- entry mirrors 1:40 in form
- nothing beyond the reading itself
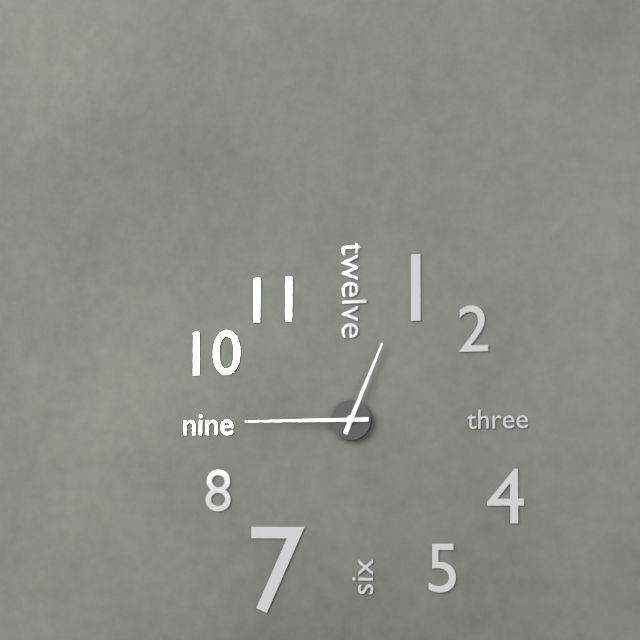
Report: 12:45
